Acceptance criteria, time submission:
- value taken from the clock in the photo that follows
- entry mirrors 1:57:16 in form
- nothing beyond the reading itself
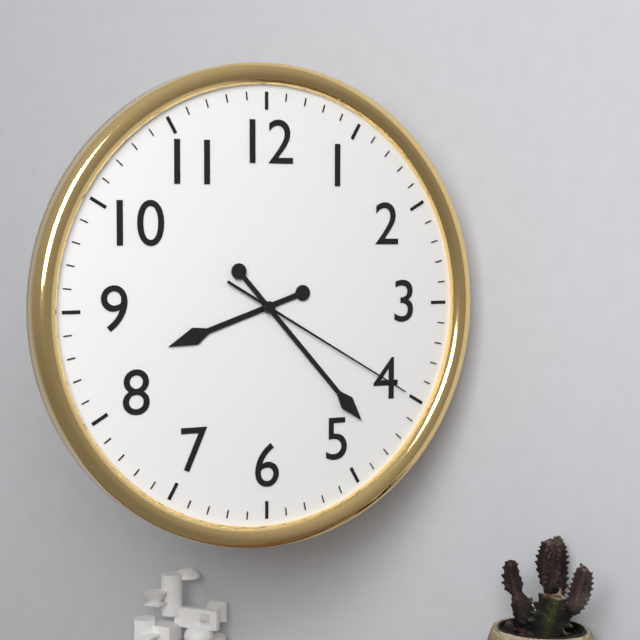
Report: 8:23:20
